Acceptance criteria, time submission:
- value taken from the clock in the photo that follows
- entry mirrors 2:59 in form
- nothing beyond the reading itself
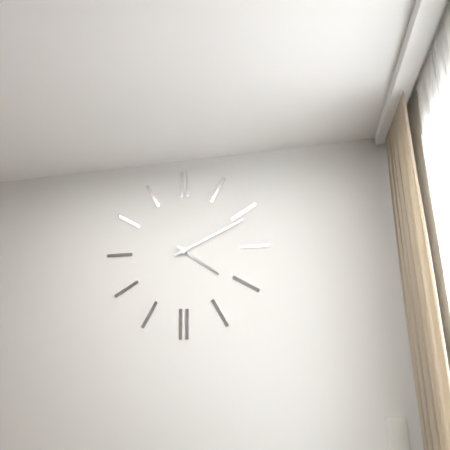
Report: 4:11
